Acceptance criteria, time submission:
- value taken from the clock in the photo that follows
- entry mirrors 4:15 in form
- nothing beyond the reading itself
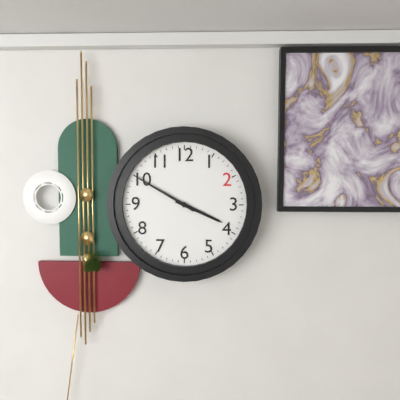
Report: 3:50
